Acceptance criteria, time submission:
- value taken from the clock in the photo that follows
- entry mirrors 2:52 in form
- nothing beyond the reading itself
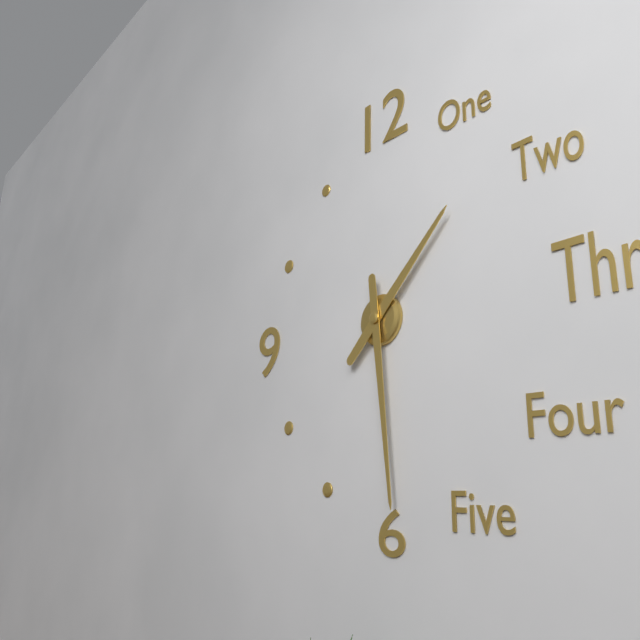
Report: 1:29
